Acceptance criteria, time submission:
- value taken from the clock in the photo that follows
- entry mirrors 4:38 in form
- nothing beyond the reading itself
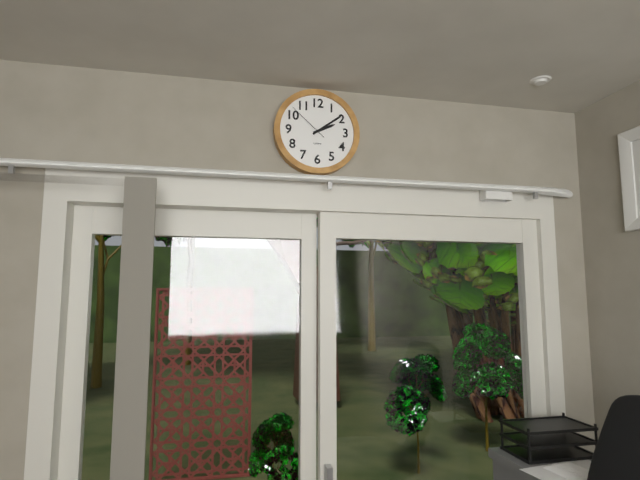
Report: 2:09
